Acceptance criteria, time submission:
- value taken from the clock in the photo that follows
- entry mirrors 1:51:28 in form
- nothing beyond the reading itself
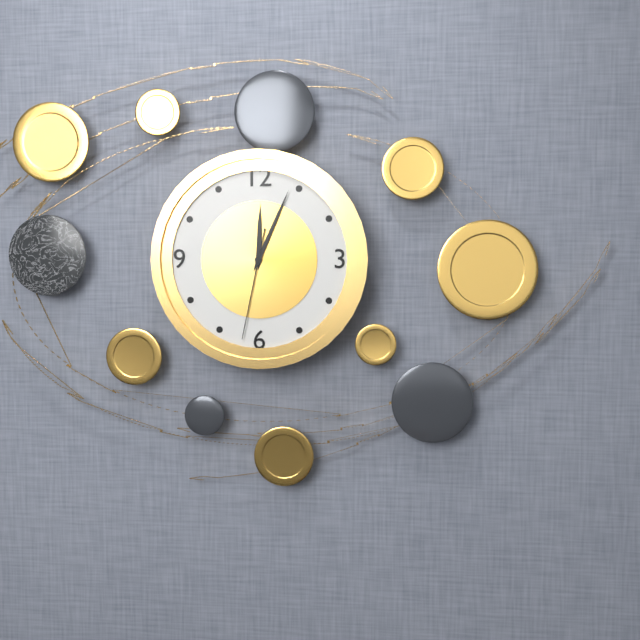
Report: 12:04:32
